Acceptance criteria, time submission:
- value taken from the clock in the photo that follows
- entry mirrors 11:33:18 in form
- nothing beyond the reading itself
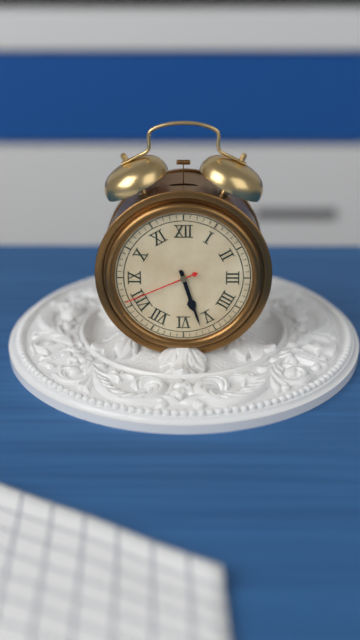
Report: 5:27:41
